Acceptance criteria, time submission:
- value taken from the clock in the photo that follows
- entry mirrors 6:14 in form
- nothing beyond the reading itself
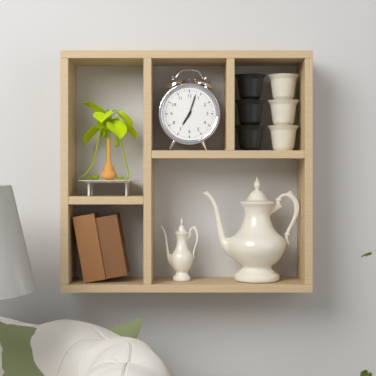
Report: 7:03
